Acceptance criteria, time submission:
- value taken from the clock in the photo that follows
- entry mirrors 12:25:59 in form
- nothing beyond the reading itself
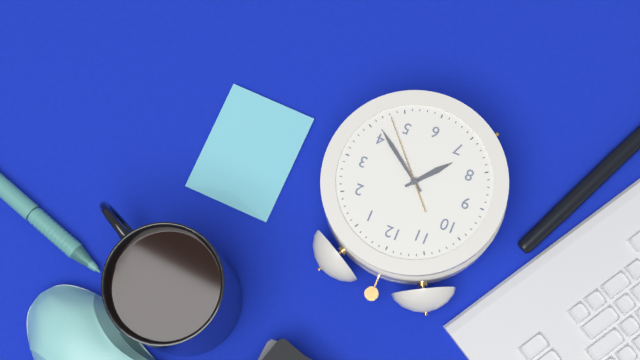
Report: 7:21:23
